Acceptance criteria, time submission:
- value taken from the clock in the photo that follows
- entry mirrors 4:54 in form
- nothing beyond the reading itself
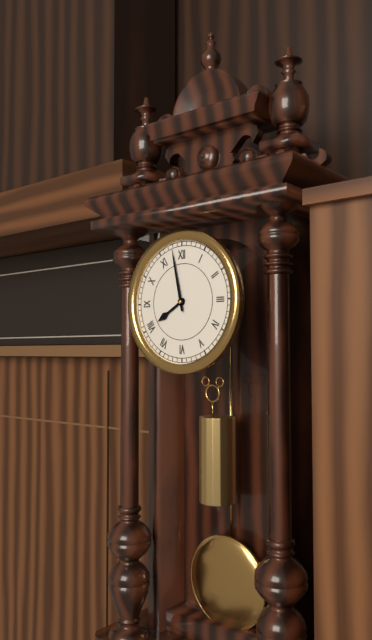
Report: 7:58
